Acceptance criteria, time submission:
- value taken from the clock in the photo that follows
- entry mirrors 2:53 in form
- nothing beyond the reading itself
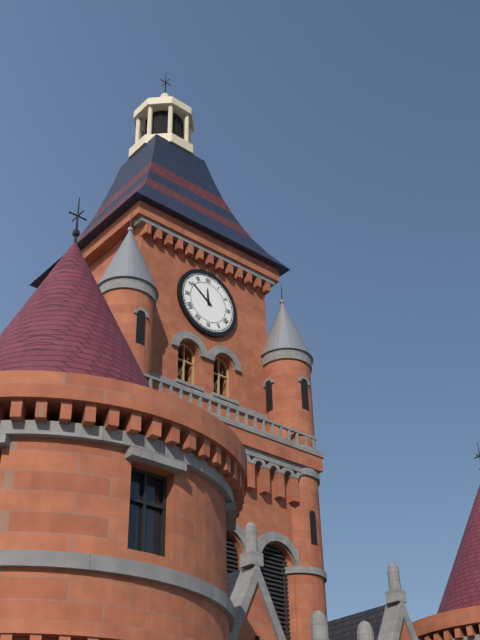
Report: 11:51
